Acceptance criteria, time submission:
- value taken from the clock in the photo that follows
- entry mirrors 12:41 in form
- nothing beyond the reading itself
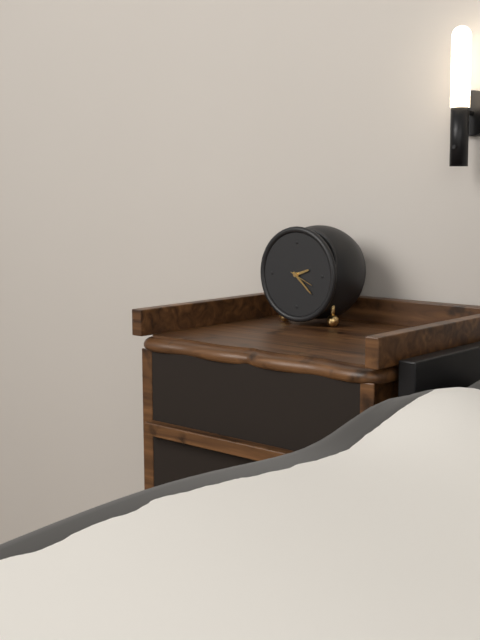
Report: 2:22
